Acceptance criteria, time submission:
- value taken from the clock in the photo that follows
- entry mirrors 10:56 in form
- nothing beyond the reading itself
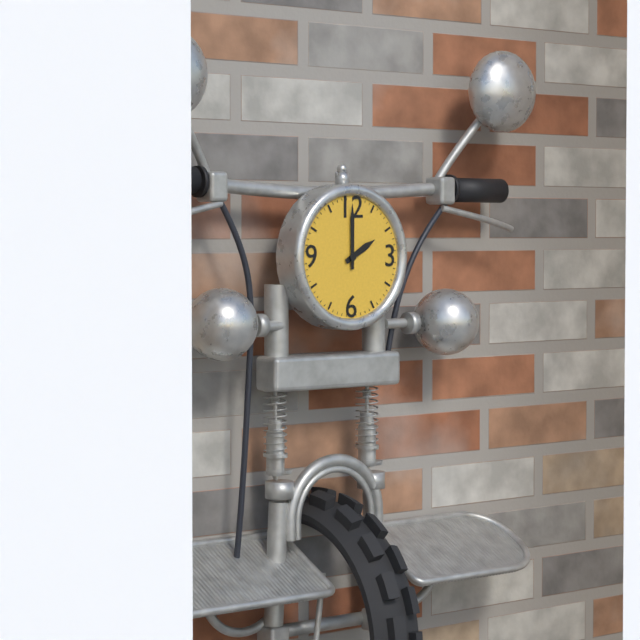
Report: 2:00
